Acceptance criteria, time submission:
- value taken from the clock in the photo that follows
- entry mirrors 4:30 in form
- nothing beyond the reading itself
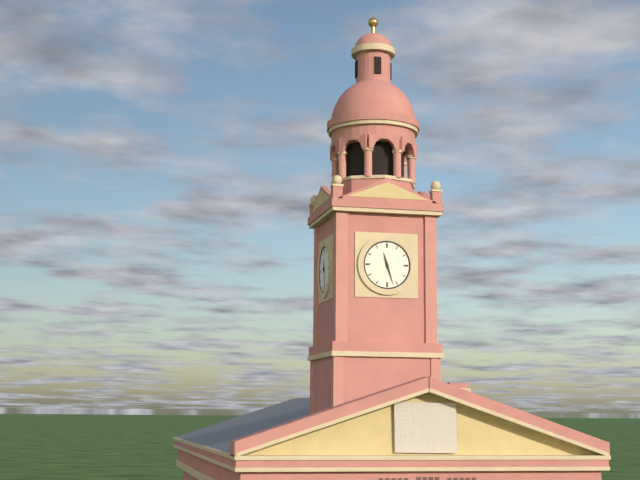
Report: 11:27
